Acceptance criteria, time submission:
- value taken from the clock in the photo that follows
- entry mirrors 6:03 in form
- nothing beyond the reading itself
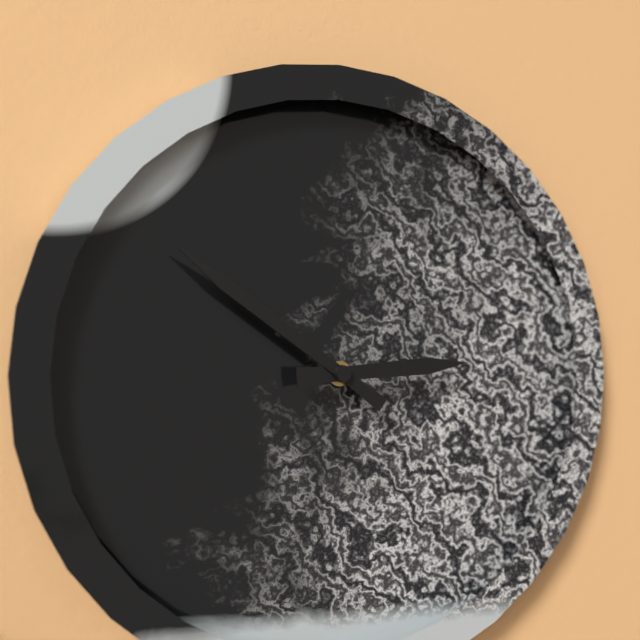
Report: 2:51
